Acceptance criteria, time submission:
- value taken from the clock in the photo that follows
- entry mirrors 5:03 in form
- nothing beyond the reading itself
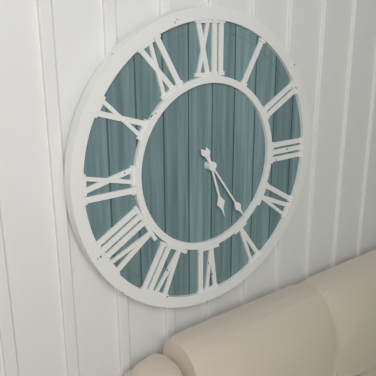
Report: 5:24
